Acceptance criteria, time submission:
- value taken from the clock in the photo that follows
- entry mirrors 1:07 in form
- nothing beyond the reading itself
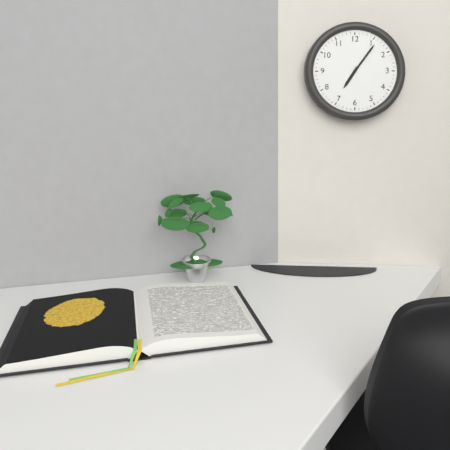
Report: 7:06
